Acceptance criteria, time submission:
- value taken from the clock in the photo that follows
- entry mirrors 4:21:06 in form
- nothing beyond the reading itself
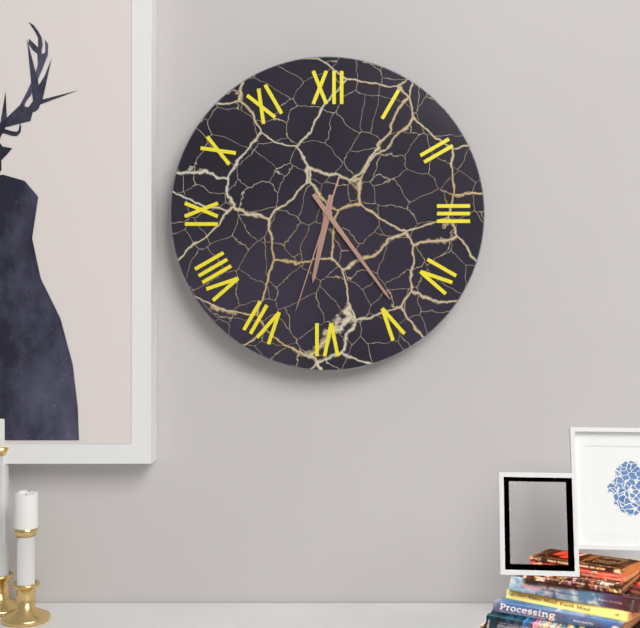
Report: 6:24:33
